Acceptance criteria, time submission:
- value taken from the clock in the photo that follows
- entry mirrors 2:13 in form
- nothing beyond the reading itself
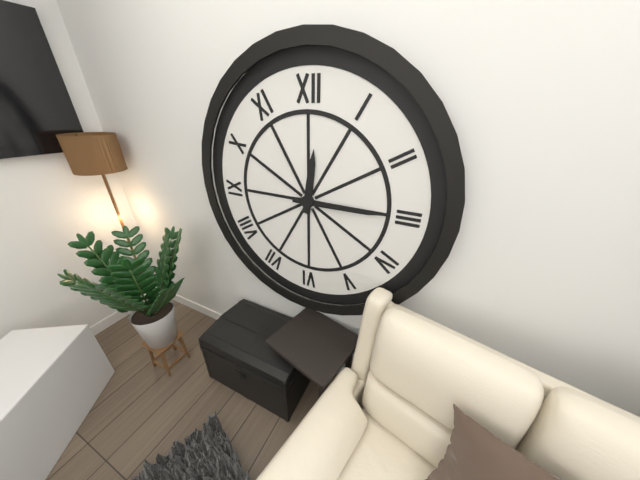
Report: 12:15
